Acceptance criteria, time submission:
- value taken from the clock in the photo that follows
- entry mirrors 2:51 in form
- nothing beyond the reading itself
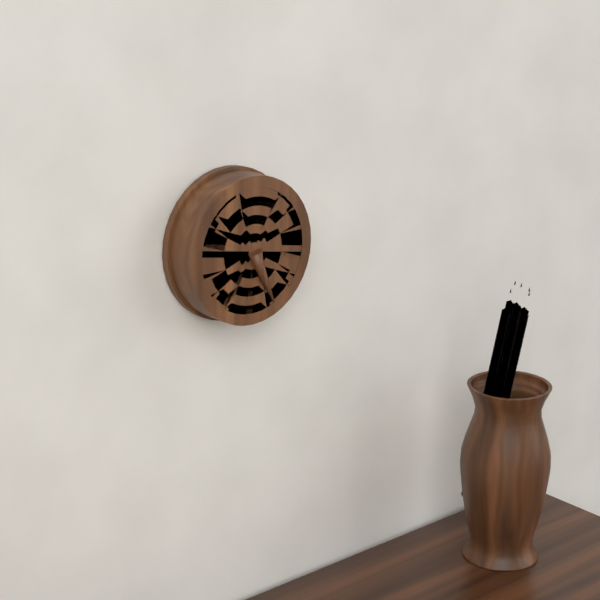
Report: 5:26
